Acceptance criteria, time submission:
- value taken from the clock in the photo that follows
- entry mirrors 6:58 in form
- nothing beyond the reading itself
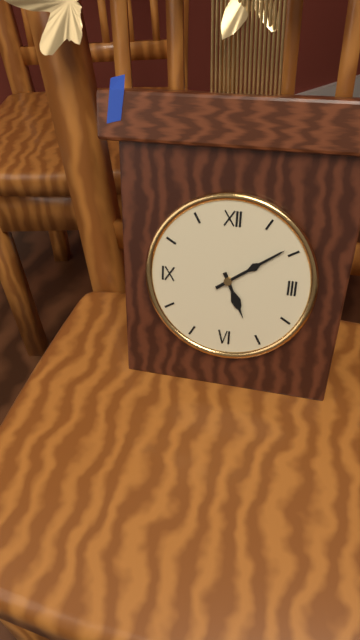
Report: 5:09
